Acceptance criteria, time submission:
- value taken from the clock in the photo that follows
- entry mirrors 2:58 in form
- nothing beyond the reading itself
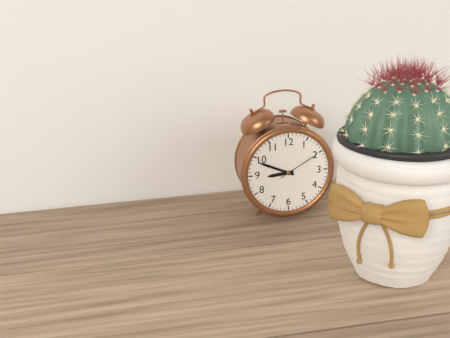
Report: 8:49
